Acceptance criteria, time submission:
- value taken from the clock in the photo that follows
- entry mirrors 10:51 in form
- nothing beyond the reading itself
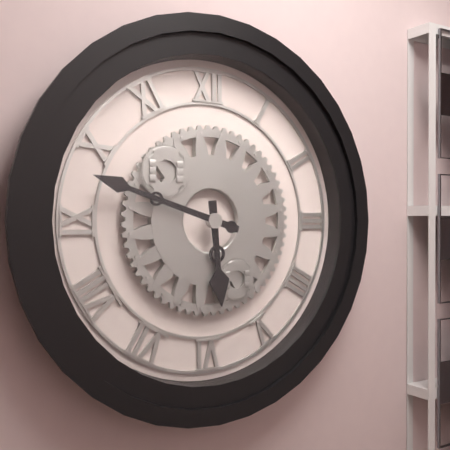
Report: 5:48
